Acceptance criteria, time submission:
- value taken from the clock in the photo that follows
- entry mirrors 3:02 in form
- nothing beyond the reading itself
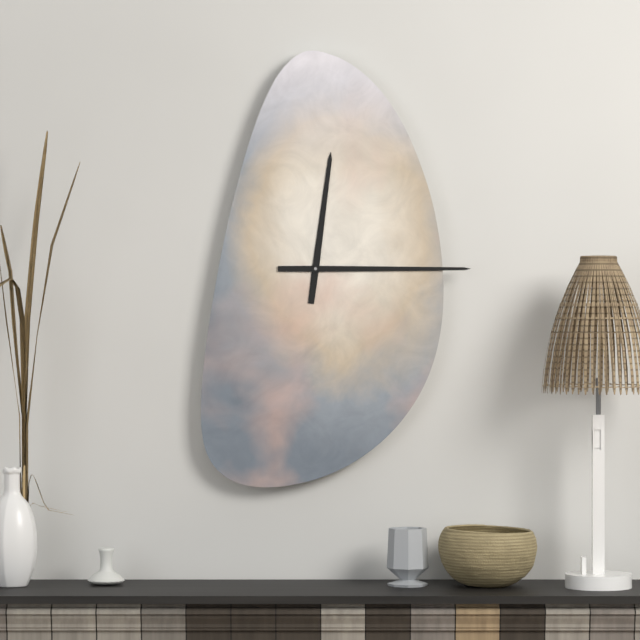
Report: 12:15
